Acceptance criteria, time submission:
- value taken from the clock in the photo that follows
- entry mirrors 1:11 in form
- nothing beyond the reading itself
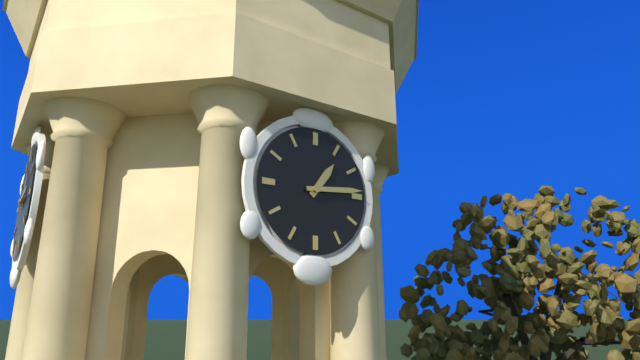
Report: 1:14
